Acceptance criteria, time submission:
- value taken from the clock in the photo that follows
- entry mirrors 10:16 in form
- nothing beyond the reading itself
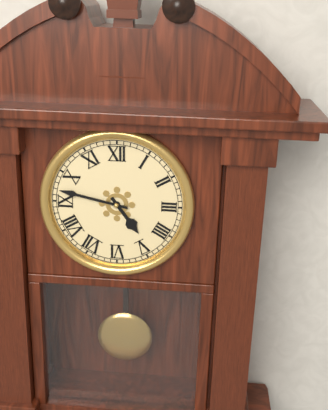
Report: 4:47
